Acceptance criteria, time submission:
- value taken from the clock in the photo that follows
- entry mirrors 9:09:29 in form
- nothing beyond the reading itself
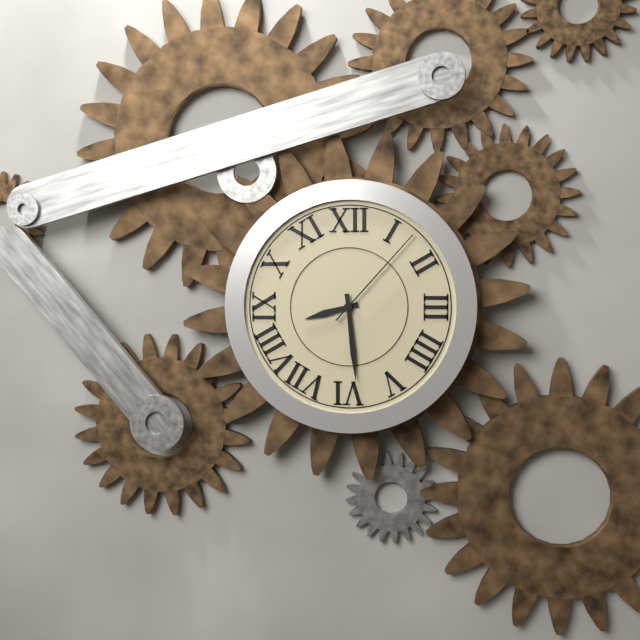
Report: 8:29:07
